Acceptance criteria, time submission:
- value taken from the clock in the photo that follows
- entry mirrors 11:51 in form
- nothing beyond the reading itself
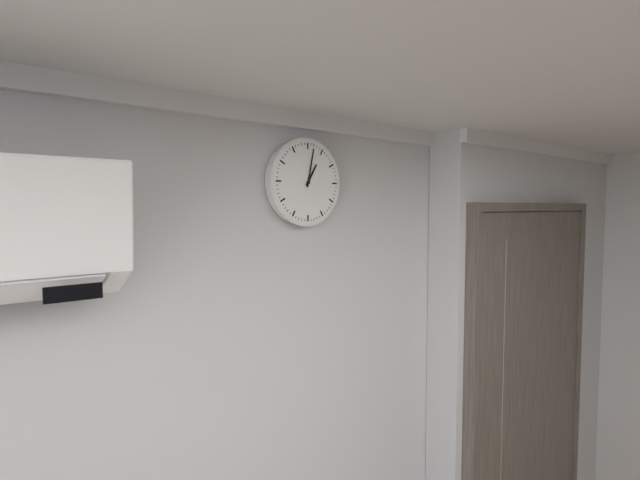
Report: 1:02
